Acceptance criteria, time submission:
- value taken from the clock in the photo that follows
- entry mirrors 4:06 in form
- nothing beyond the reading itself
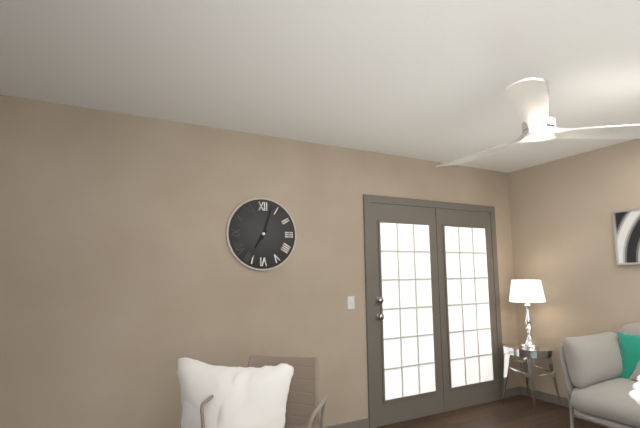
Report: 7:03
